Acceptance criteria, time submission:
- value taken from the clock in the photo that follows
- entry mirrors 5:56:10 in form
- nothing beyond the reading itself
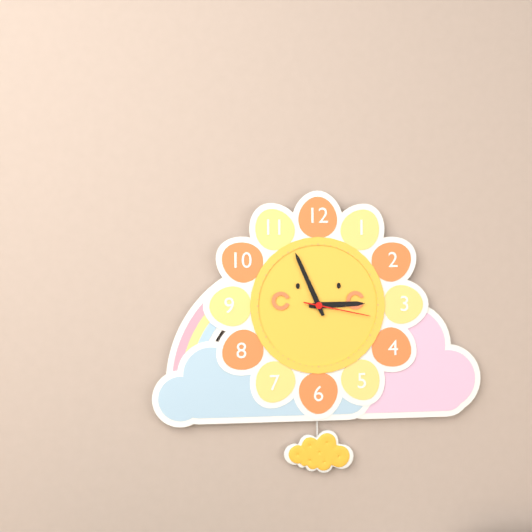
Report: 2:56:17
